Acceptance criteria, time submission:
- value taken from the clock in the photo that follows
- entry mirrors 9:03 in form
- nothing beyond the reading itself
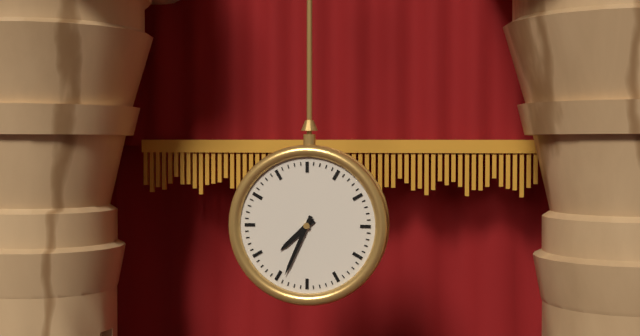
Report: 7:34
